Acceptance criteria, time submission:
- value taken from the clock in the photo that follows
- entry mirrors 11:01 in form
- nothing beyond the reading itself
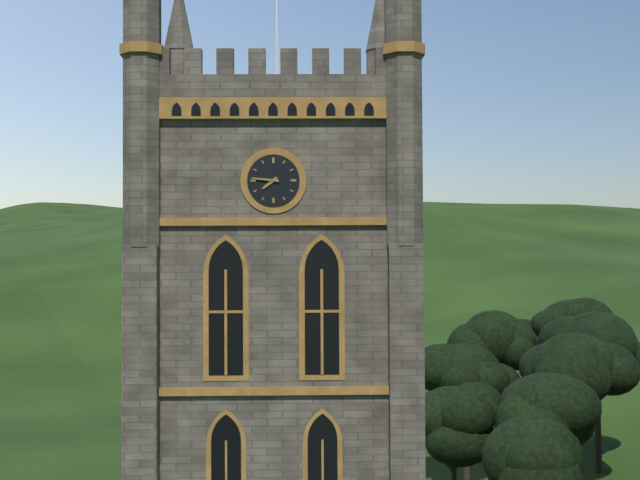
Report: 7:46
